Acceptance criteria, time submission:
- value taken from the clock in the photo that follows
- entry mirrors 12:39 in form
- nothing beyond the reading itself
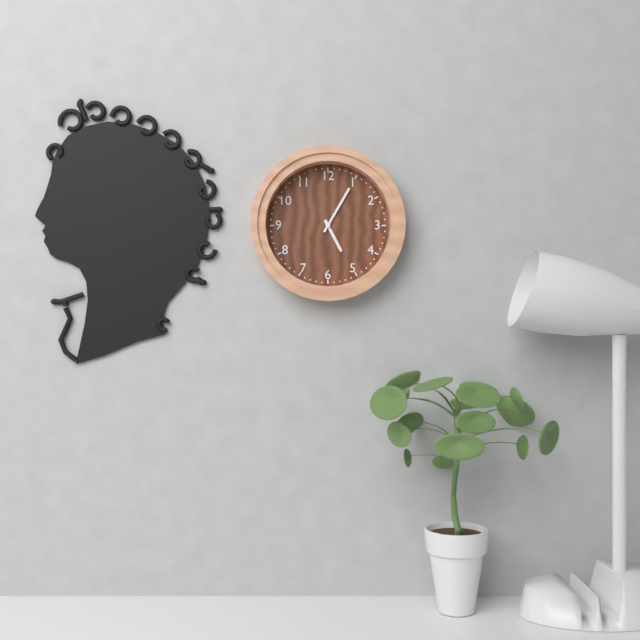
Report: 5:05
